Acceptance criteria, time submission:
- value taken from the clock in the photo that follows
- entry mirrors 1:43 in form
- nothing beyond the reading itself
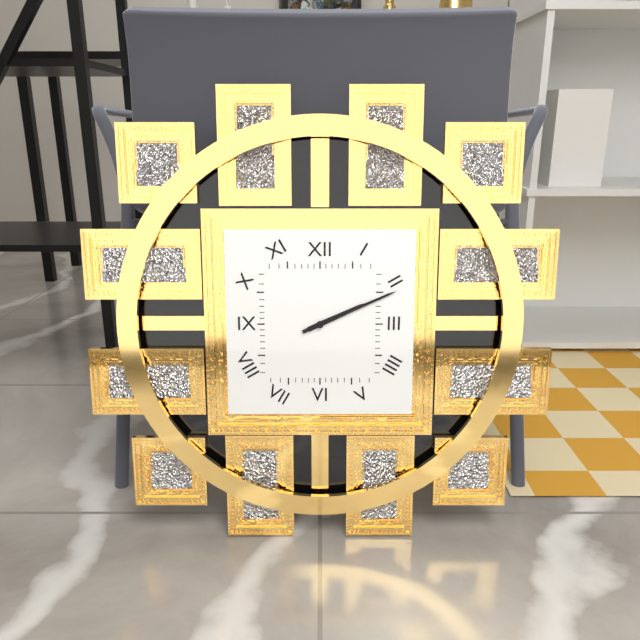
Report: 2:11
